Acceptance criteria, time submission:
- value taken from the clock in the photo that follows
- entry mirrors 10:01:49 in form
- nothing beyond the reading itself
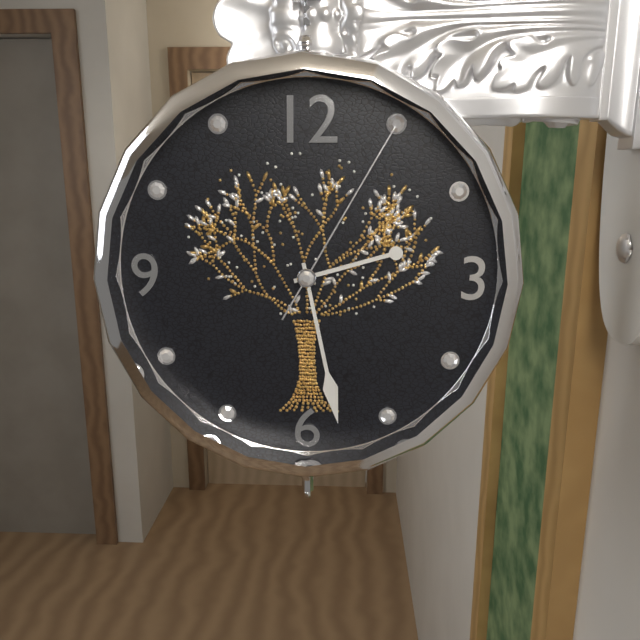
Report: 2:28:05
